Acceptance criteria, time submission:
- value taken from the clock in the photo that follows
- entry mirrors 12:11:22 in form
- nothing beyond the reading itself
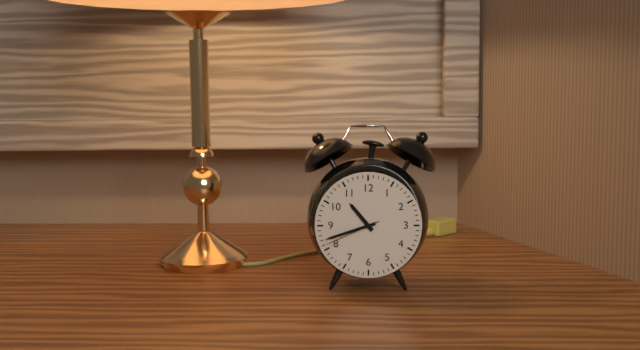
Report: 10:42:41
